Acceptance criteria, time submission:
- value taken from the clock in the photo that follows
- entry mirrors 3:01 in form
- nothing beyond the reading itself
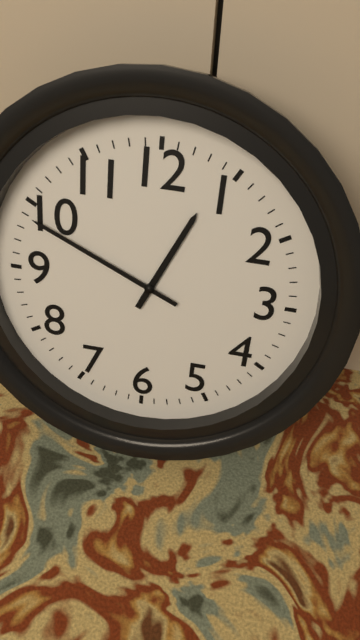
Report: 12:49
